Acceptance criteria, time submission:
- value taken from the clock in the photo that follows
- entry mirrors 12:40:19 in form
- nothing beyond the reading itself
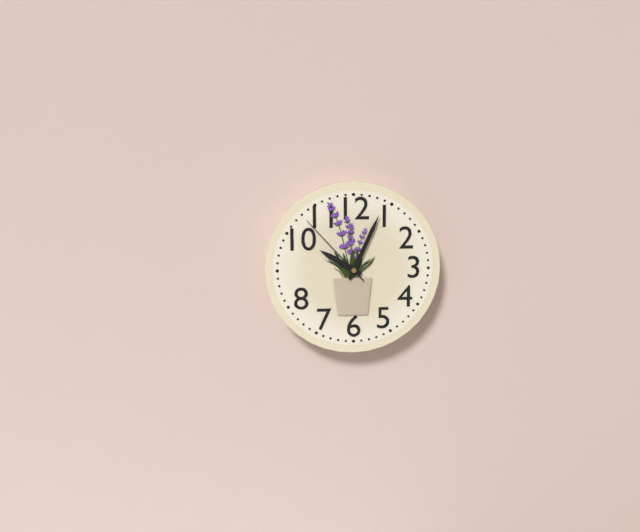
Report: 10:04:53
